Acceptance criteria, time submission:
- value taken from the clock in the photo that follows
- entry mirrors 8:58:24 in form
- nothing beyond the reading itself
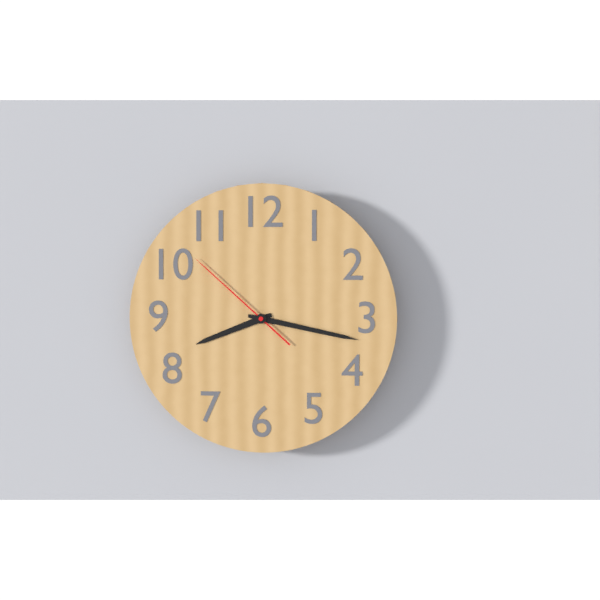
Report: 8:17:52
